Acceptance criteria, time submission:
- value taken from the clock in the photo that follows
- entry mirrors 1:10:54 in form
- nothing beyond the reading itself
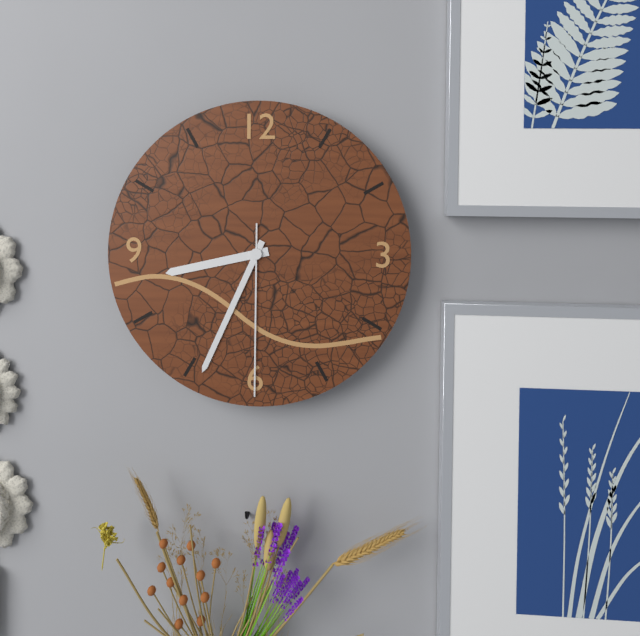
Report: 8:34:30
